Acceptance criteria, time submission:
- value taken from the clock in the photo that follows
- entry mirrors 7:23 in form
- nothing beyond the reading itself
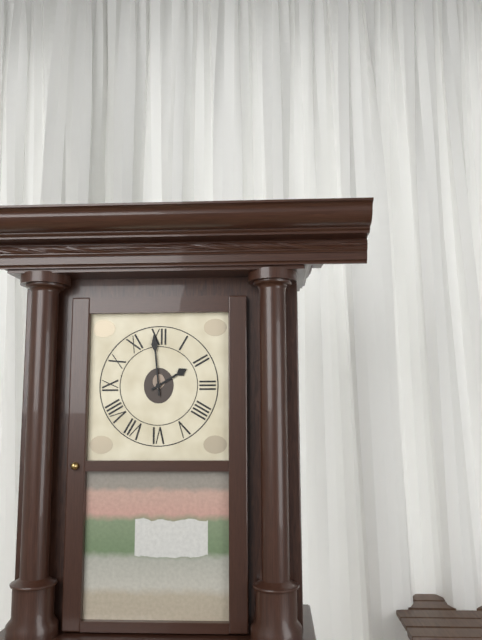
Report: 1:59
